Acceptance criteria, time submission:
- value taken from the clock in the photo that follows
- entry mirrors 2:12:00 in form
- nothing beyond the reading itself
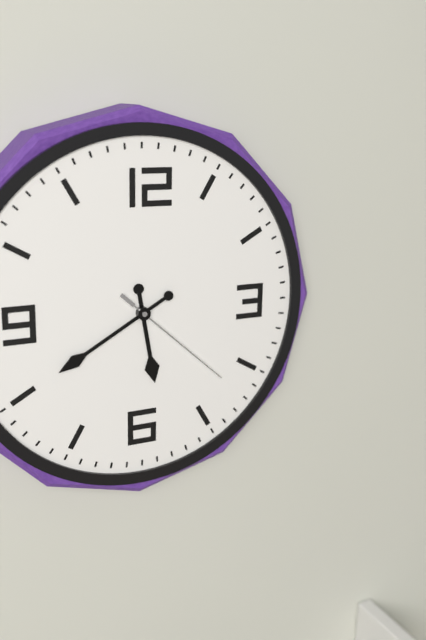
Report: 5:40:22
